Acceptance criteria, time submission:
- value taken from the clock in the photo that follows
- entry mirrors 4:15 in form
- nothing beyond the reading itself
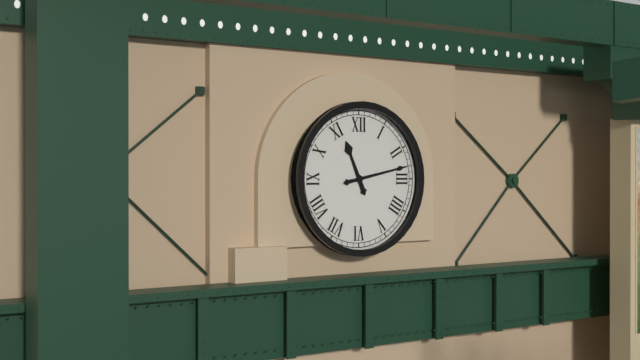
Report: 11:13
